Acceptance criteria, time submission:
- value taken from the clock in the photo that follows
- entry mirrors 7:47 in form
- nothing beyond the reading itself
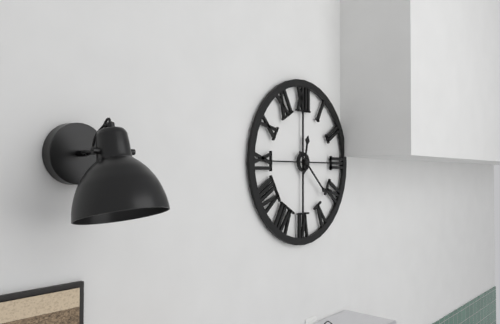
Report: 12:22
